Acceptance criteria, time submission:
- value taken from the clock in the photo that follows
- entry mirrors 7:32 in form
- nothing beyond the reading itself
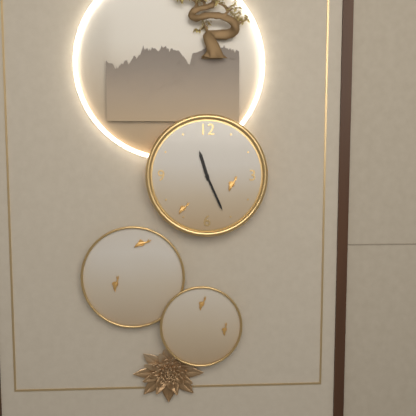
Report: 11:26
